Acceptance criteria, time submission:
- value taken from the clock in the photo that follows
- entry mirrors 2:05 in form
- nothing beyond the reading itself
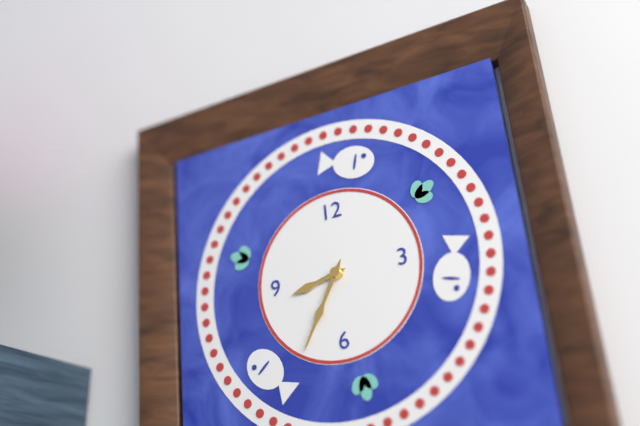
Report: 8:35
